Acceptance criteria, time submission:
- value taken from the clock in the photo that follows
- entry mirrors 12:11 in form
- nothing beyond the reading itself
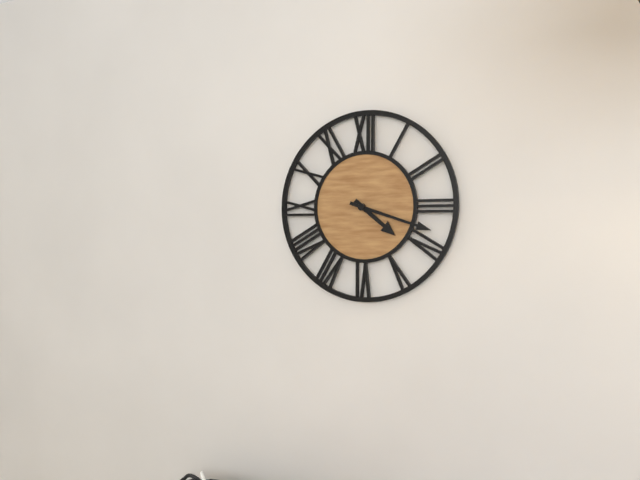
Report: 4:18
